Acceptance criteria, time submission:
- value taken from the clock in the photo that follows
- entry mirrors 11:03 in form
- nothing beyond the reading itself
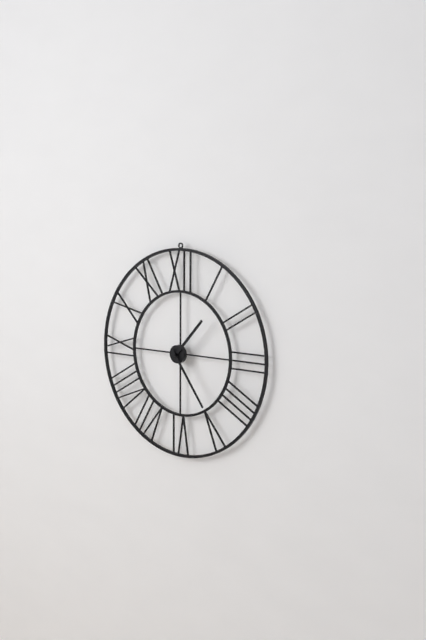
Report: 1:24
